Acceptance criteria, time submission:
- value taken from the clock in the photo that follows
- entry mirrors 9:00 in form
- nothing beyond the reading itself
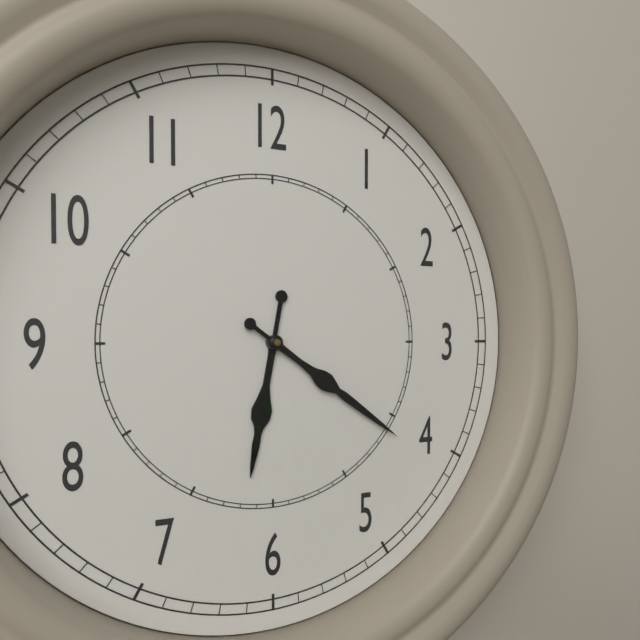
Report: 6:21
